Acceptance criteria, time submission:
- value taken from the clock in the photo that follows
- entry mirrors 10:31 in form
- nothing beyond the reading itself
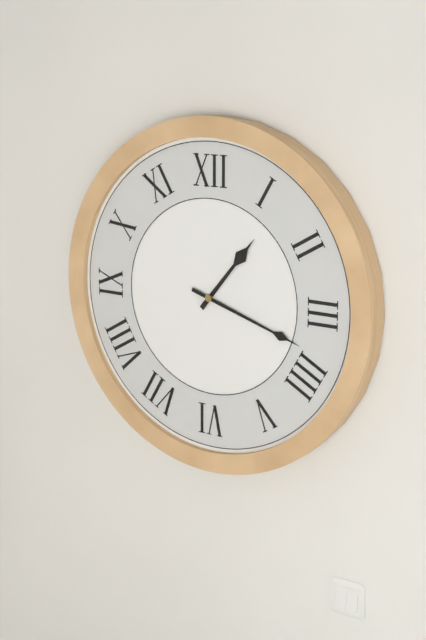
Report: 1:18
